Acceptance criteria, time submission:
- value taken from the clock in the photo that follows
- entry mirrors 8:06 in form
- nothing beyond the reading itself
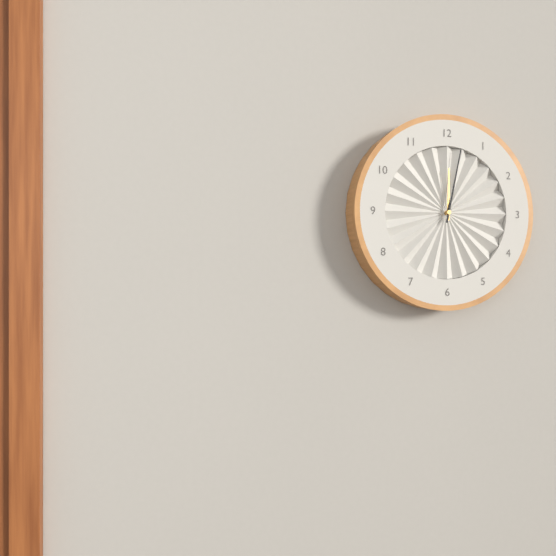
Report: 12:02
